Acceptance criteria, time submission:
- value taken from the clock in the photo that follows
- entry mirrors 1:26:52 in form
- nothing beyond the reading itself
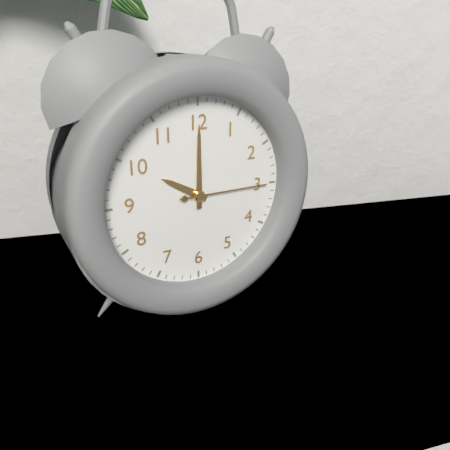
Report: 10:00:15
